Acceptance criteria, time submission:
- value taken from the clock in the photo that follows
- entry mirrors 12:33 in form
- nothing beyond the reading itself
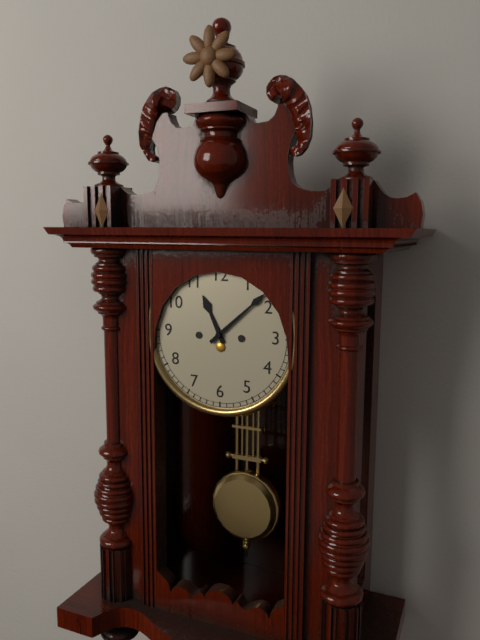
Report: 11:08
